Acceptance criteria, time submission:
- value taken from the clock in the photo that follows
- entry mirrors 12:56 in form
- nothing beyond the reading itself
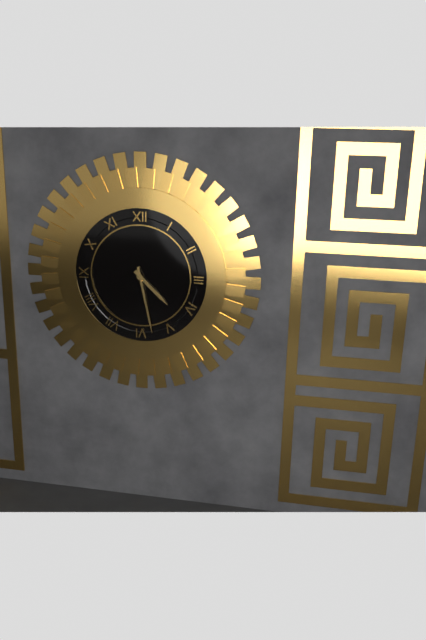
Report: 4:28
